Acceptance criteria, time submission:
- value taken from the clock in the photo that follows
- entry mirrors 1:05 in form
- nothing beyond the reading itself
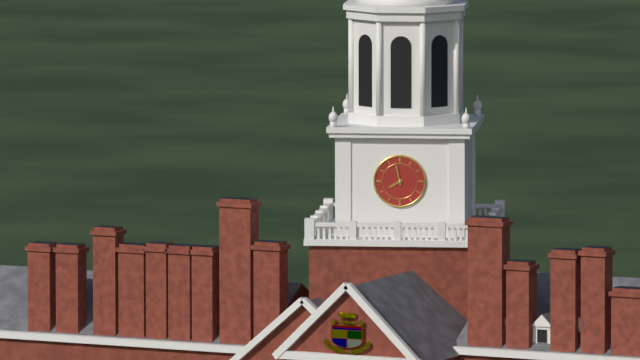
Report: 7:58
